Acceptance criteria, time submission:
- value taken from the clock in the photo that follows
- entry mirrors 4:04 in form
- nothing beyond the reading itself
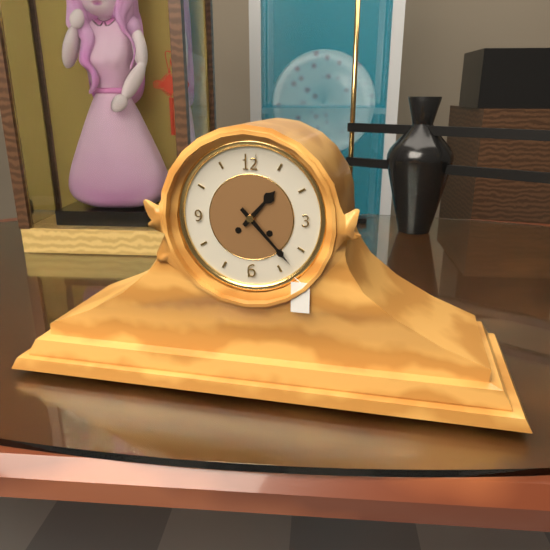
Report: 1:23
